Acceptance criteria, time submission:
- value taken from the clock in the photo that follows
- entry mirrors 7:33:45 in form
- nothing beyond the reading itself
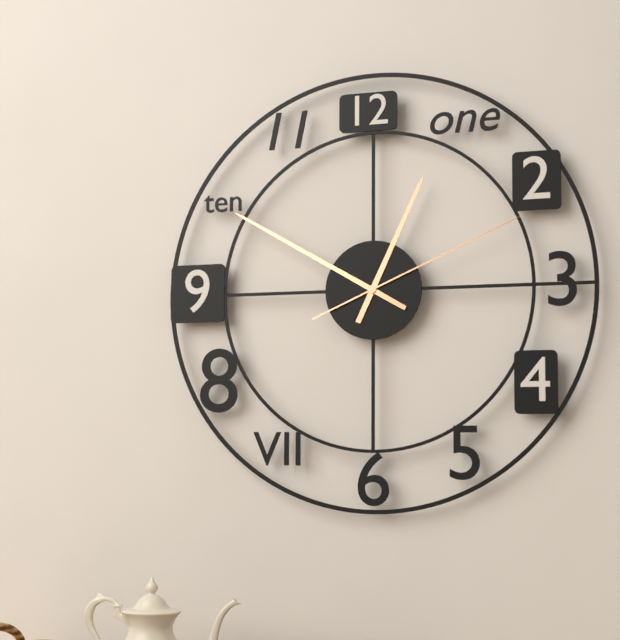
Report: 12:50:11
